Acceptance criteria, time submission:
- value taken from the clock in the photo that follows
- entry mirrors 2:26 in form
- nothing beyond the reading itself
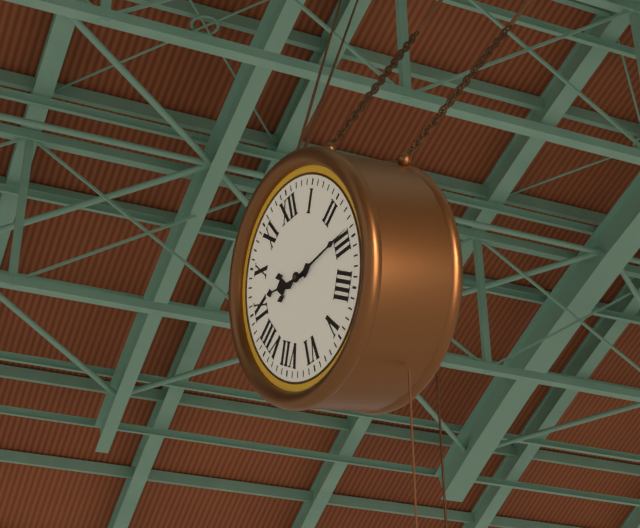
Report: 9:14
